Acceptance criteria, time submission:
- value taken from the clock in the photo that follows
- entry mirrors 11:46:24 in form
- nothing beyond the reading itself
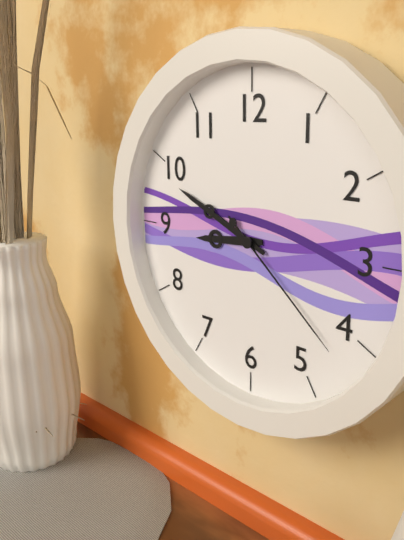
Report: 8:49:22
